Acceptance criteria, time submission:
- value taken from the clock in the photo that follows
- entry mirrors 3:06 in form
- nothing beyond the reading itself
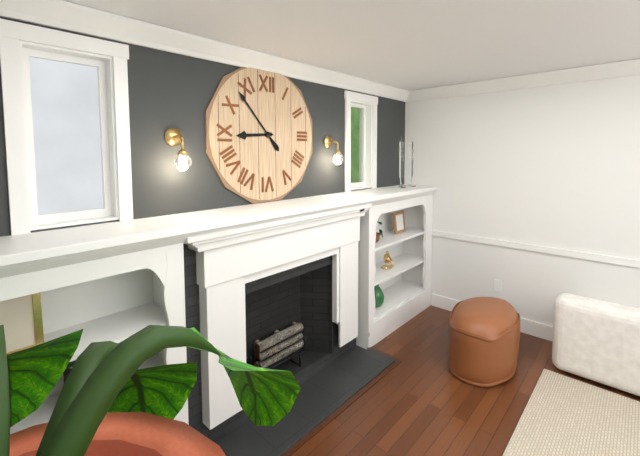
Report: 8:53
